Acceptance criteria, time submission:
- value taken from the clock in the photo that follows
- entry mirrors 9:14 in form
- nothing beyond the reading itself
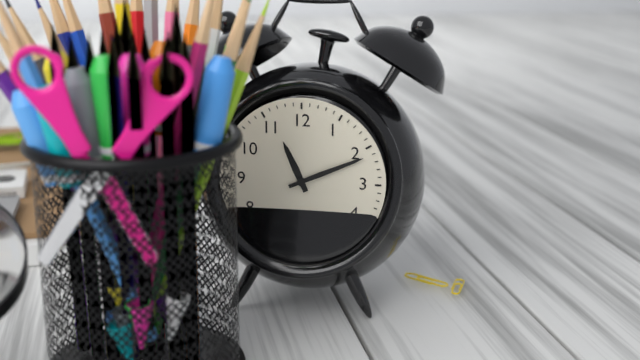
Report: 11:11
